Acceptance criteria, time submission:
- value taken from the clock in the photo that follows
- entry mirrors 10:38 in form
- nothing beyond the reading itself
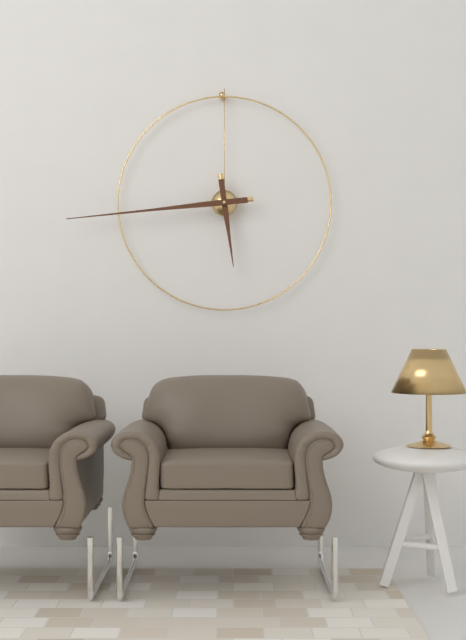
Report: 5:44
